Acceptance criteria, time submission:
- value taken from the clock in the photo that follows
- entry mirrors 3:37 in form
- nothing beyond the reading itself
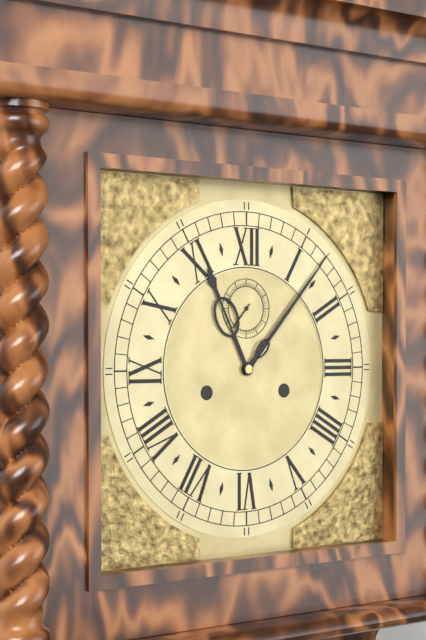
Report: 11:07
